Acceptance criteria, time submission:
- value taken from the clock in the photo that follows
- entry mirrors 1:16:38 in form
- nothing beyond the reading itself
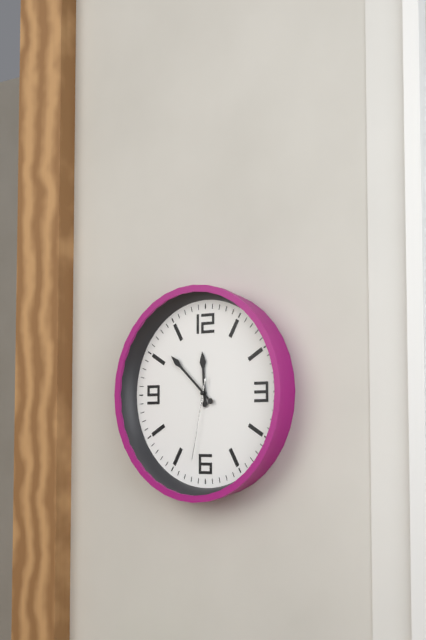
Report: 11:52:32
